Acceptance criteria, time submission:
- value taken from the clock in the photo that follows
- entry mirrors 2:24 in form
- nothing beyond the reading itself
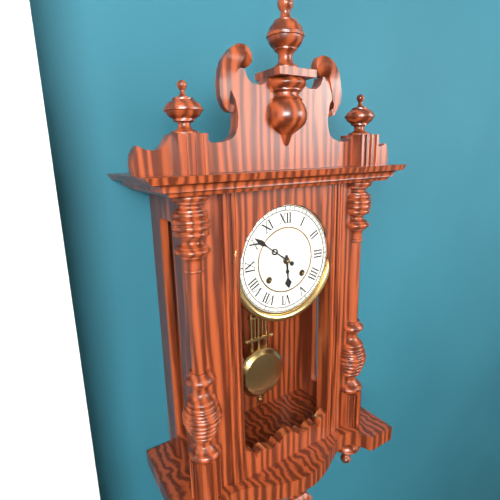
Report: 5:51
